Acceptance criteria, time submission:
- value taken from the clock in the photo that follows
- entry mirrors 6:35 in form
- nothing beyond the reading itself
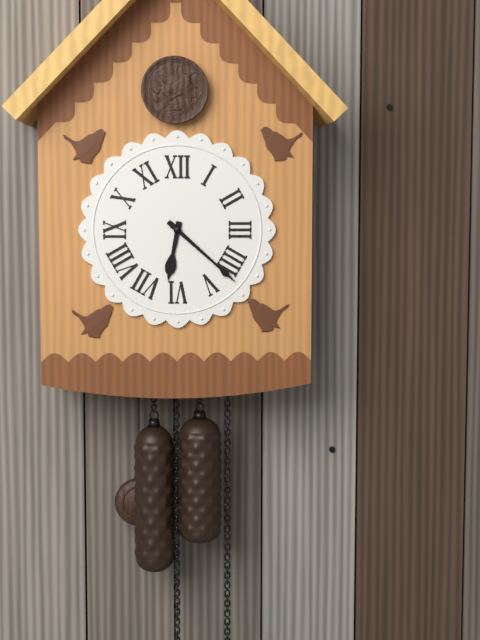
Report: 6:22
